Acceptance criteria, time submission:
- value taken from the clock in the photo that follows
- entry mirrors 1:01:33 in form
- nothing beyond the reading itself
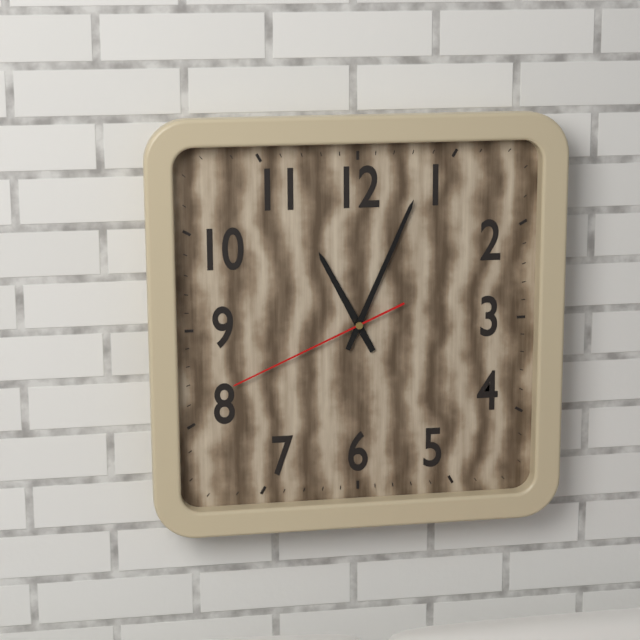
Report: 11:04:41
